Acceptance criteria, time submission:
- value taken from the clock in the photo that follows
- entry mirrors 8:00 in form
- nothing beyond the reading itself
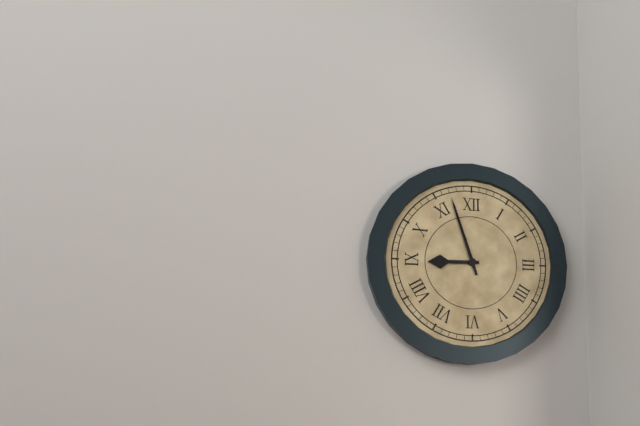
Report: 8:57
